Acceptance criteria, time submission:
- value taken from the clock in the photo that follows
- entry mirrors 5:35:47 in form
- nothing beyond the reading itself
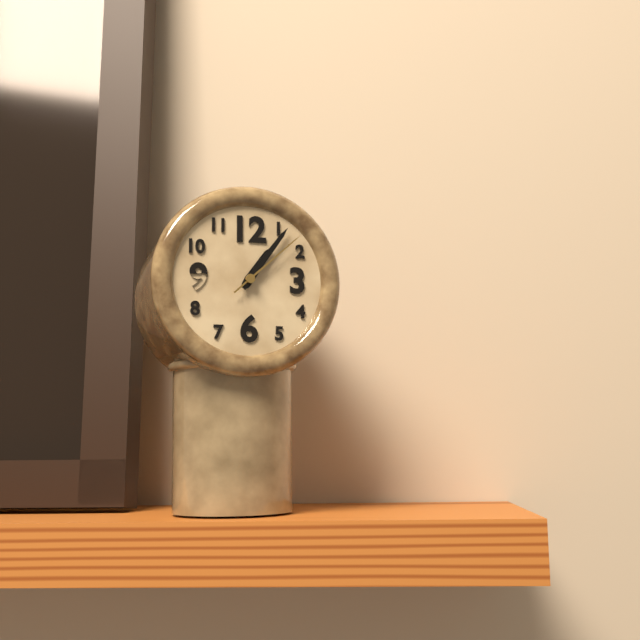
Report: 1:06:08
